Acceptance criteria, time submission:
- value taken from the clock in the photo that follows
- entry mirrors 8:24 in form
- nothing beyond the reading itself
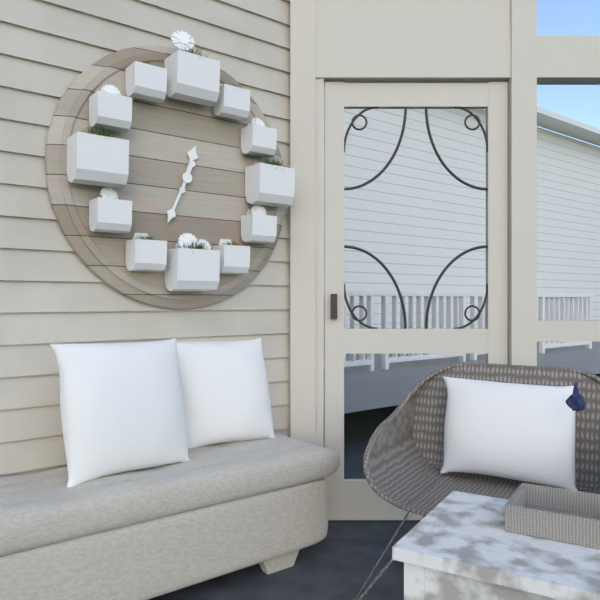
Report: 12:34
